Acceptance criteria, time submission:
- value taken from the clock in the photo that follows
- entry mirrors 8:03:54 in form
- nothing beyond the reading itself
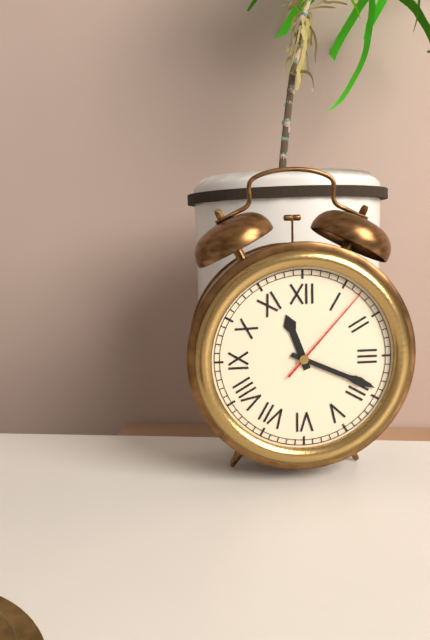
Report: 11:19:07
